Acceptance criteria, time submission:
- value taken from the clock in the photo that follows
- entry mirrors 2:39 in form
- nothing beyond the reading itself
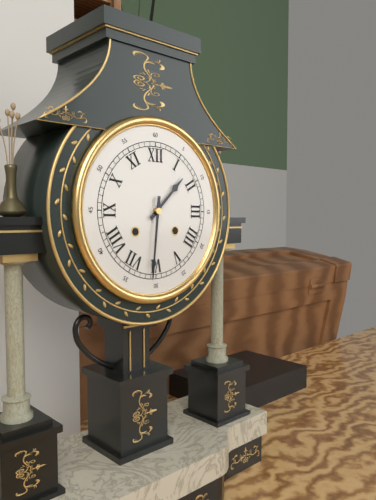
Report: 1:31
